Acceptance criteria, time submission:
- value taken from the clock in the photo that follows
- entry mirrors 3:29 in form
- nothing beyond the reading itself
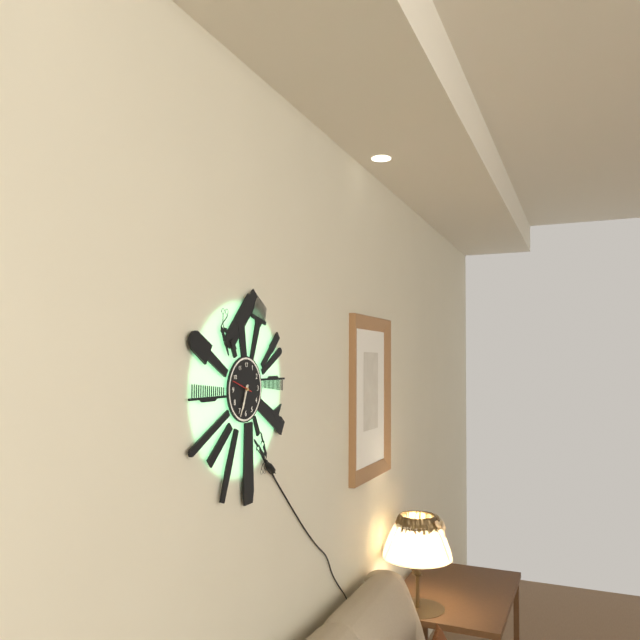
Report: 6:34
